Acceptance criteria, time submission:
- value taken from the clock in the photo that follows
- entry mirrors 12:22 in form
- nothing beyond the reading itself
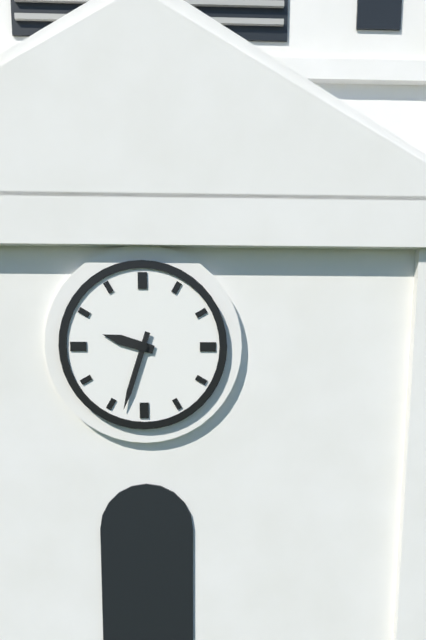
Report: 9:33
